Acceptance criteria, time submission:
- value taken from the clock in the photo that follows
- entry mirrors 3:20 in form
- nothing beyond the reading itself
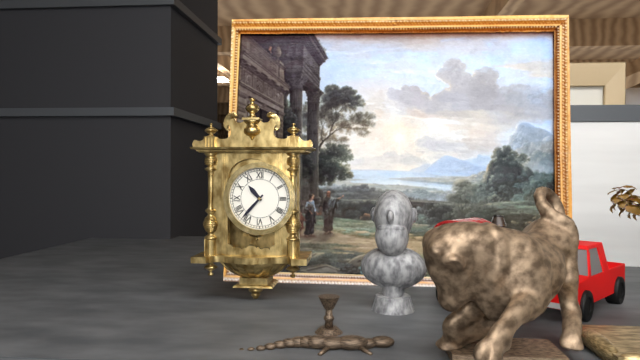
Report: 10:37
